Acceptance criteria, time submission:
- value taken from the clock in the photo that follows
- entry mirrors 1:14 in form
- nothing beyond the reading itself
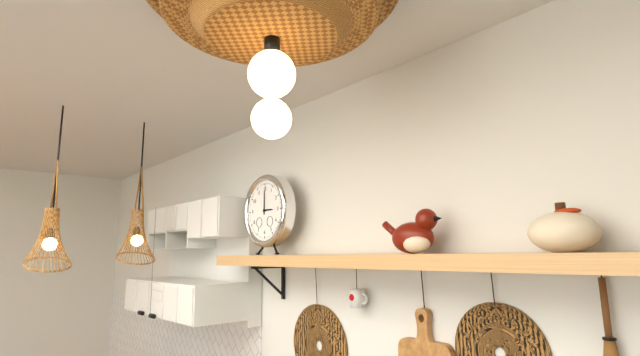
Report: 3:00
